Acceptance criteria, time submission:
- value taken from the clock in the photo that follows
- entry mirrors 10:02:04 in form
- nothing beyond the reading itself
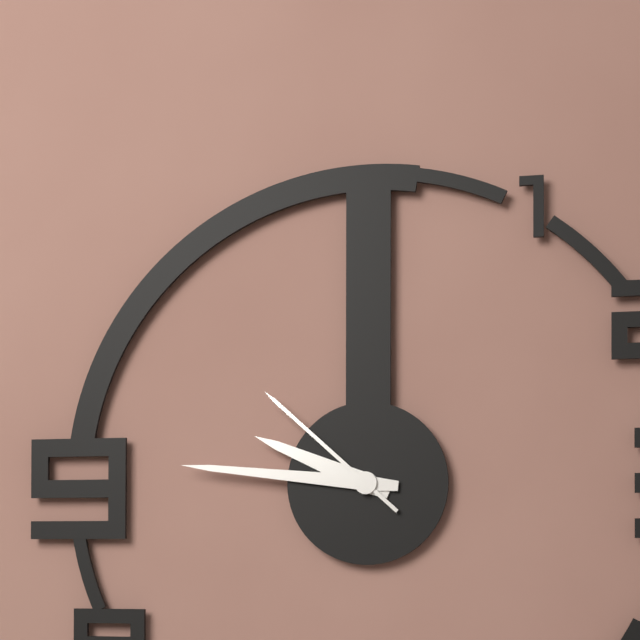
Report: 9:46:52
